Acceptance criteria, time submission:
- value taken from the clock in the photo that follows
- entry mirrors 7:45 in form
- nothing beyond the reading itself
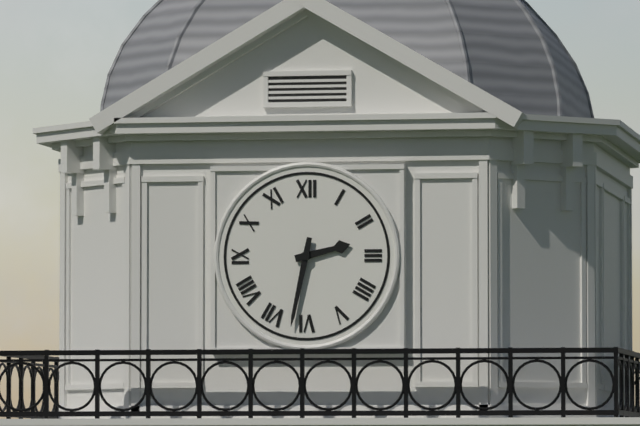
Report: 2:32
